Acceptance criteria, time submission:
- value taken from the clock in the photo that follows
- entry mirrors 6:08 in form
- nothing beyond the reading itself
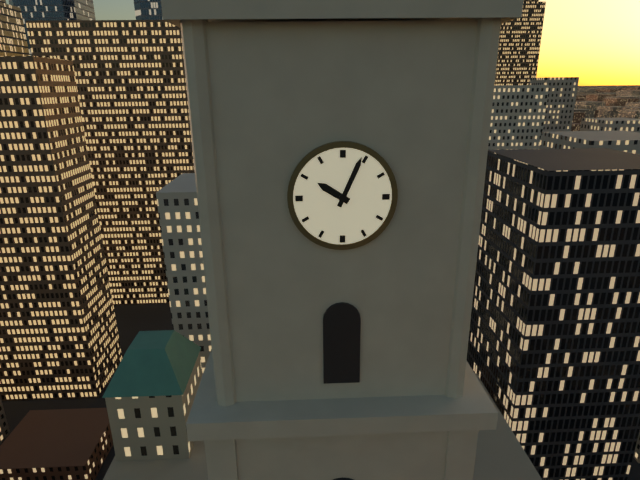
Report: 10:04
